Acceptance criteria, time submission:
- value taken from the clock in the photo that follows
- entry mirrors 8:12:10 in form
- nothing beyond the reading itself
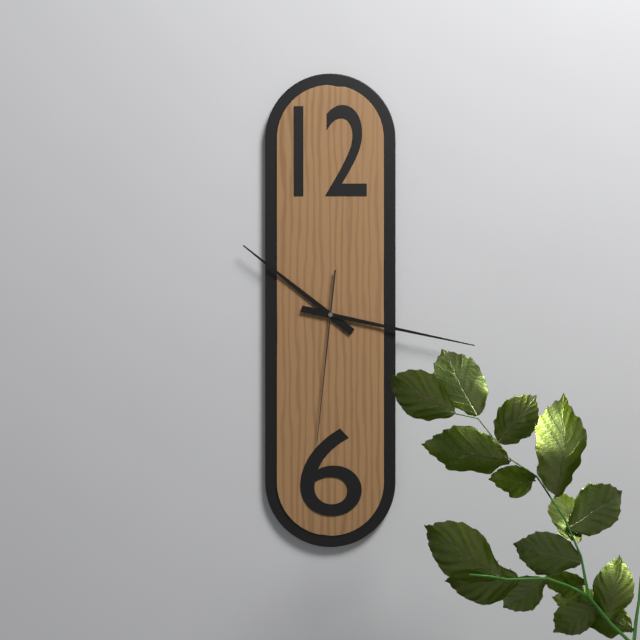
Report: 10:17:31
